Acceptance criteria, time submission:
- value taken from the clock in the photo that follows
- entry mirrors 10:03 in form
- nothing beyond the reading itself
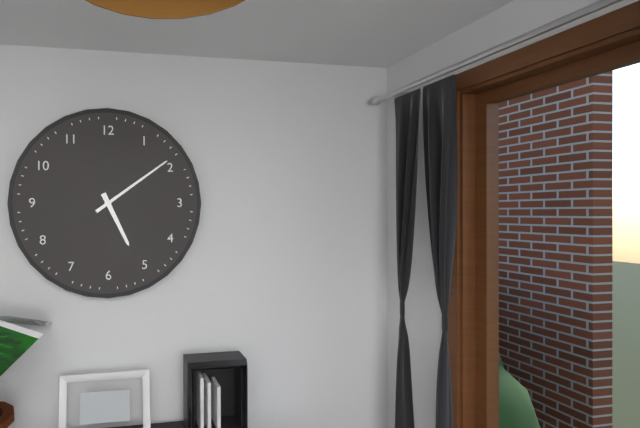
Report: 5:09
